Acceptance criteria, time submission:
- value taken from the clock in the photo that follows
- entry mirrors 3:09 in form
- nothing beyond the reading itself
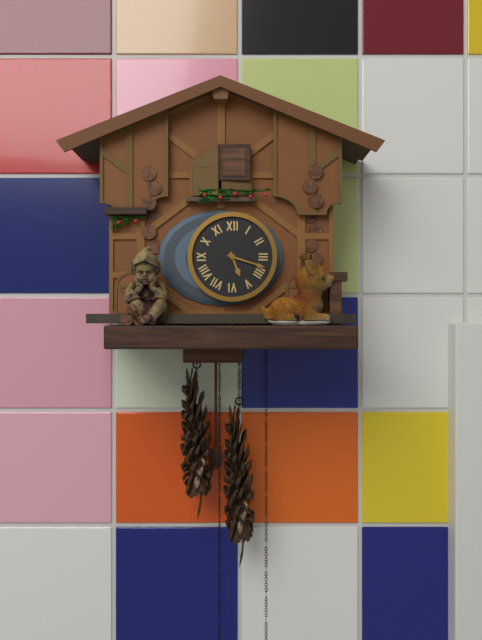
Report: 5:18
